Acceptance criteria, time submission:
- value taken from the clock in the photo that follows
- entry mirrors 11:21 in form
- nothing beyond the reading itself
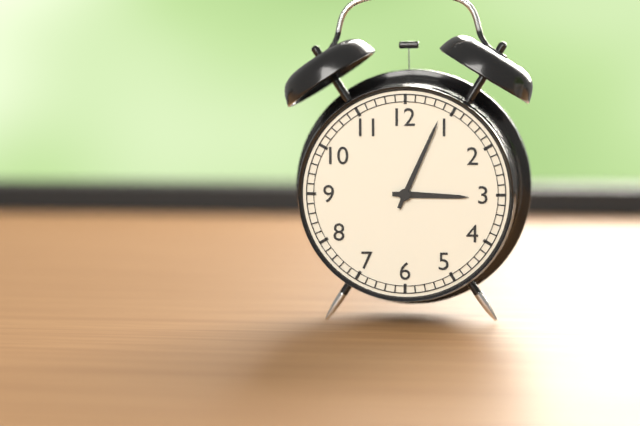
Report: 3:04
